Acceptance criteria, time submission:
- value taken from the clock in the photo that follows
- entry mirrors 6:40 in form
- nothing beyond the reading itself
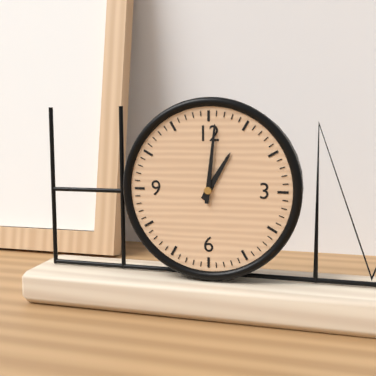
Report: 1:01
